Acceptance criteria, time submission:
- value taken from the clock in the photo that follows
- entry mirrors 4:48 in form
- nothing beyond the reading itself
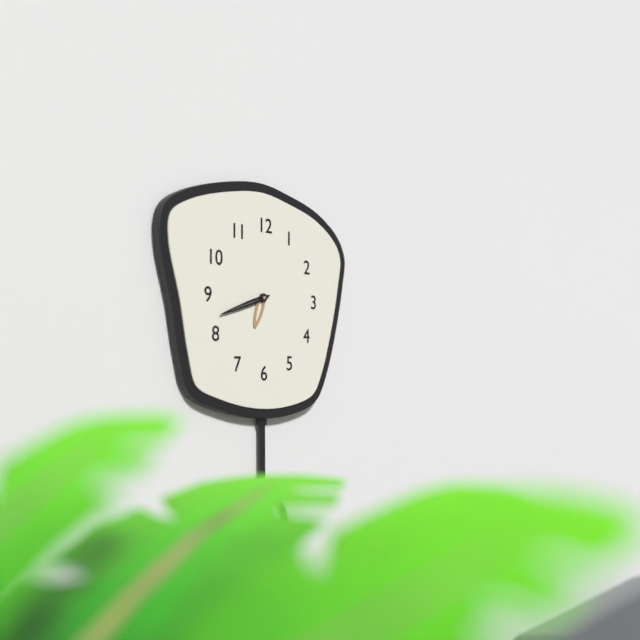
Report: 6:42
